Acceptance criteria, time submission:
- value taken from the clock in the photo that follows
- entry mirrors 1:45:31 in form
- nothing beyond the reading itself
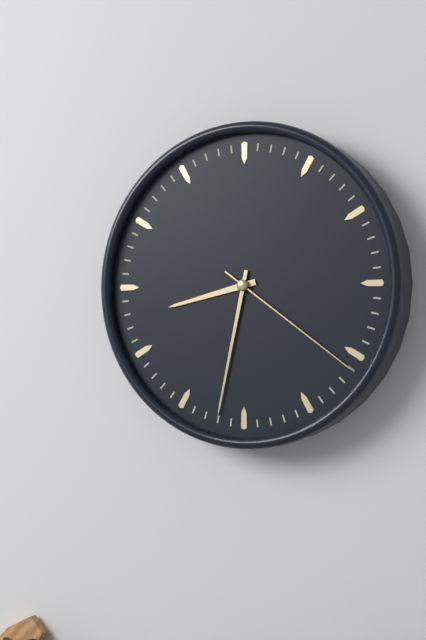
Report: 8:32:21
